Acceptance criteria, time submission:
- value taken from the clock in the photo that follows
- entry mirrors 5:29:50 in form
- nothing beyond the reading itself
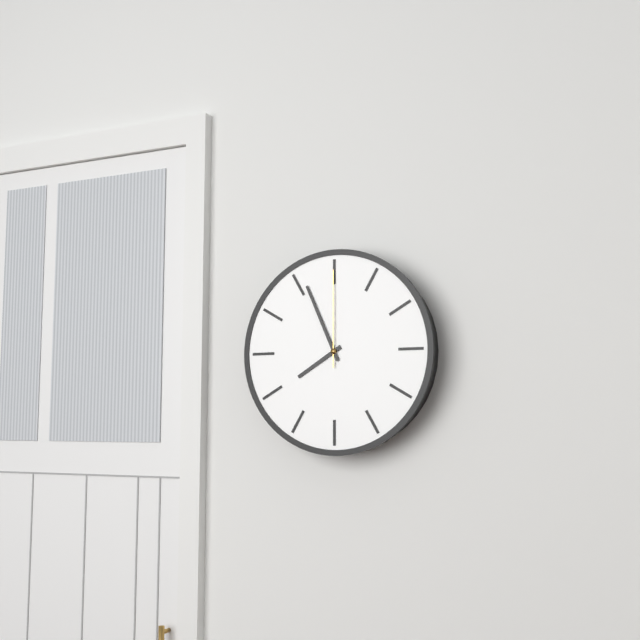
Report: 7:56:00
